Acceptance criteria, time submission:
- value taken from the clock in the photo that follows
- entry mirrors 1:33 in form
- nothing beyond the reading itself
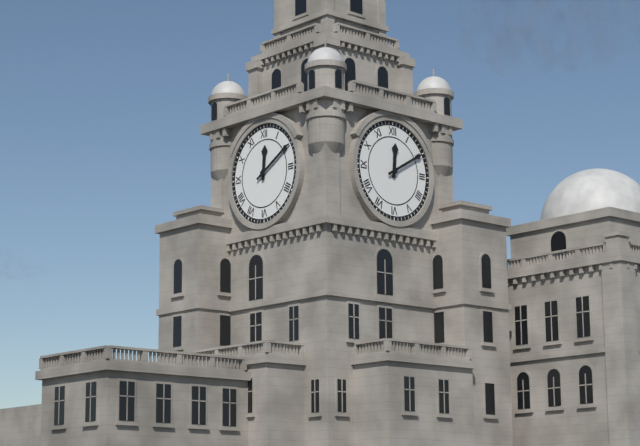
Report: 12:10
